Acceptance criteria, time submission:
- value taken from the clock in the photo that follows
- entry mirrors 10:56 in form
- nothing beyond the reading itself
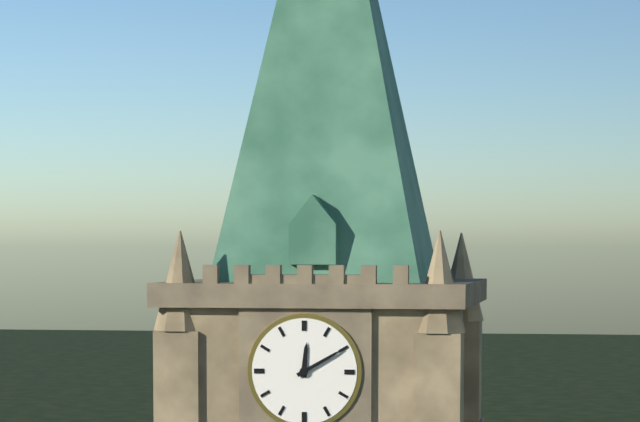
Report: 12:10
